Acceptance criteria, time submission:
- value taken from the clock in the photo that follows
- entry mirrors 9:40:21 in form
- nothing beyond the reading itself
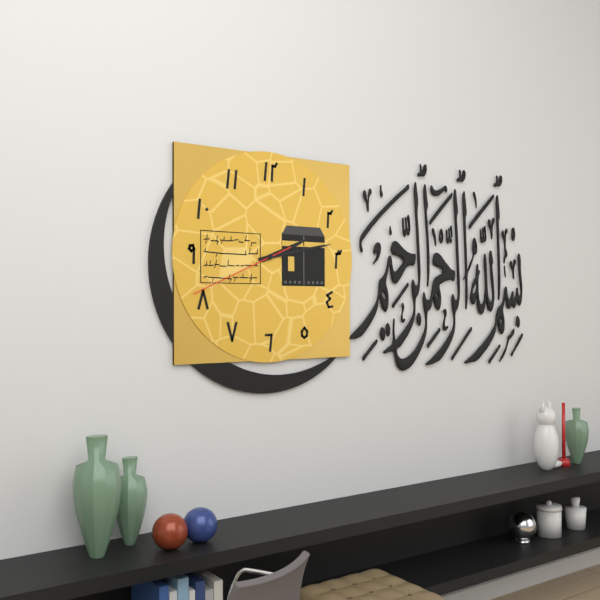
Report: 2:13:41
